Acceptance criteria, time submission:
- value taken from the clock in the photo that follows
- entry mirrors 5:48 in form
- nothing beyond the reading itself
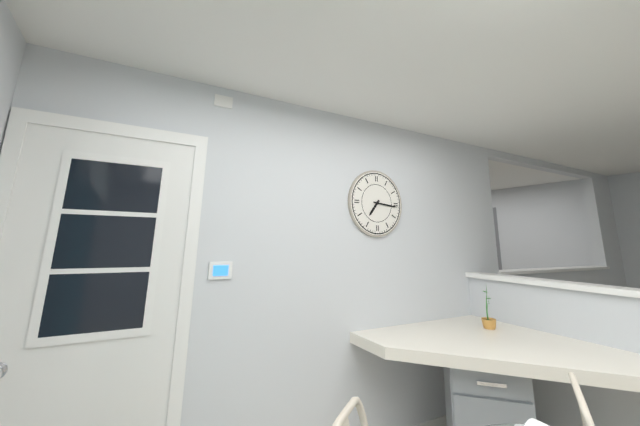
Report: 7:16
